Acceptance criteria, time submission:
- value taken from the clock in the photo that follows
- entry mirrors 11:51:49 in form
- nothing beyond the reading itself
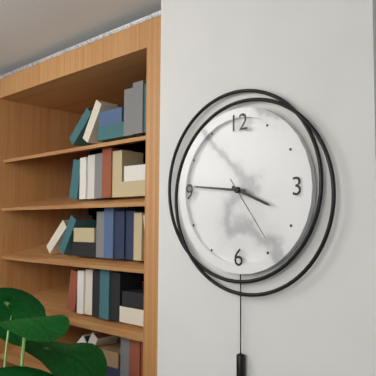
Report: 3:46:24
